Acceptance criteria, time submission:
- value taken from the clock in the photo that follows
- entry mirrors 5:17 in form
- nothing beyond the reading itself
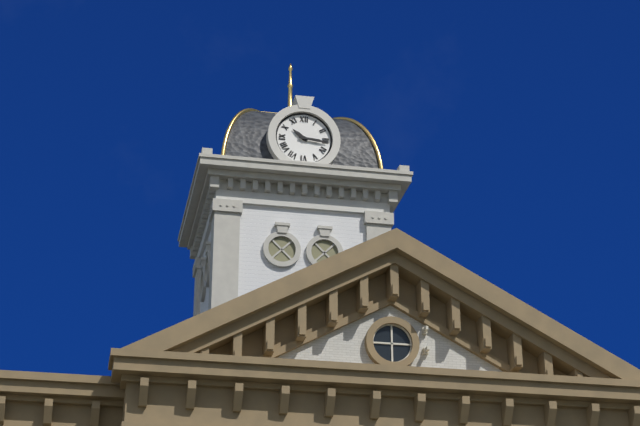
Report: 10:16
